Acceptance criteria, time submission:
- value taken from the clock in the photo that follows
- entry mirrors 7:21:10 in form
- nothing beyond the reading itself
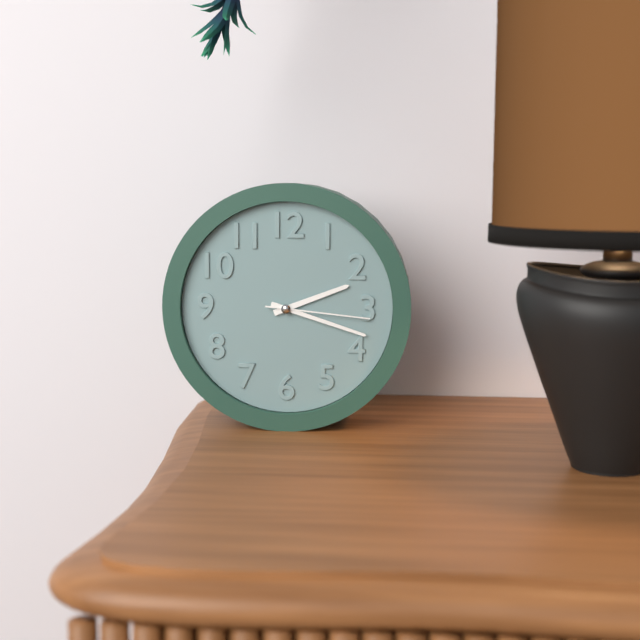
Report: 2:18:16
